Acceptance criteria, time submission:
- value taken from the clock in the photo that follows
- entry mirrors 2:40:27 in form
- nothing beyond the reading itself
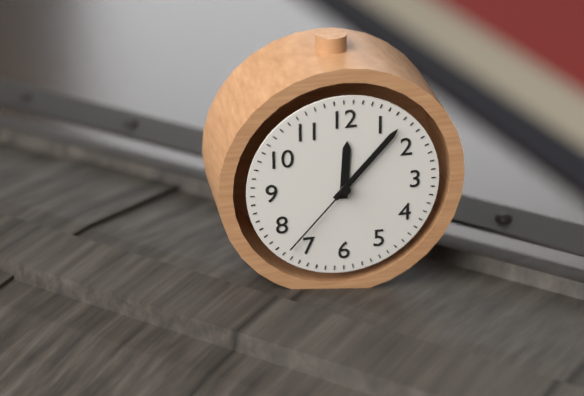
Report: 12:07:37
